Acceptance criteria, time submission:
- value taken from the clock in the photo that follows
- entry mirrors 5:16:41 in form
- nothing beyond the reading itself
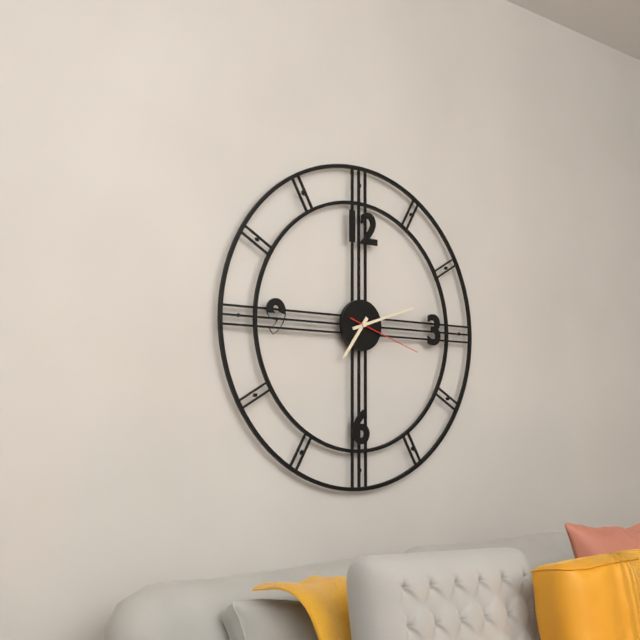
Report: 7:12:18
